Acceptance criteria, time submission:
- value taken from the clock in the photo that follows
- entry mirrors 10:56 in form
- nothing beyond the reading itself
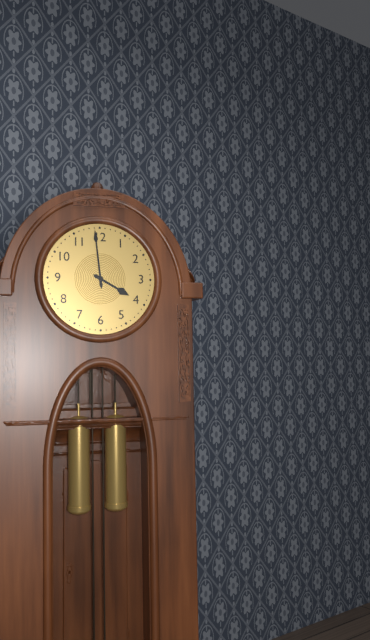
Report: 3:59
